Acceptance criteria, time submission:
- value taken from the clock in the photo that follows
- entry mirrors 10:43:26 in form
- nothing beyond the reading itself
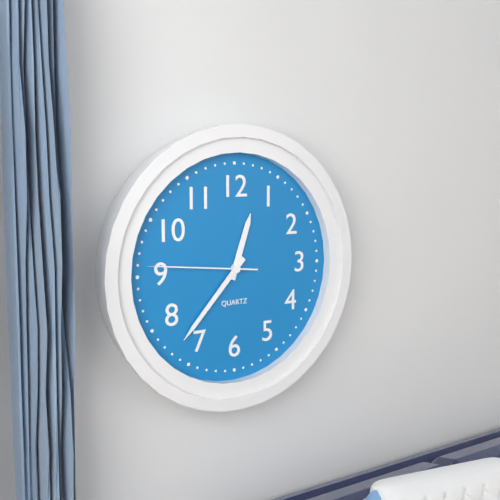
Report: 12:37:46
